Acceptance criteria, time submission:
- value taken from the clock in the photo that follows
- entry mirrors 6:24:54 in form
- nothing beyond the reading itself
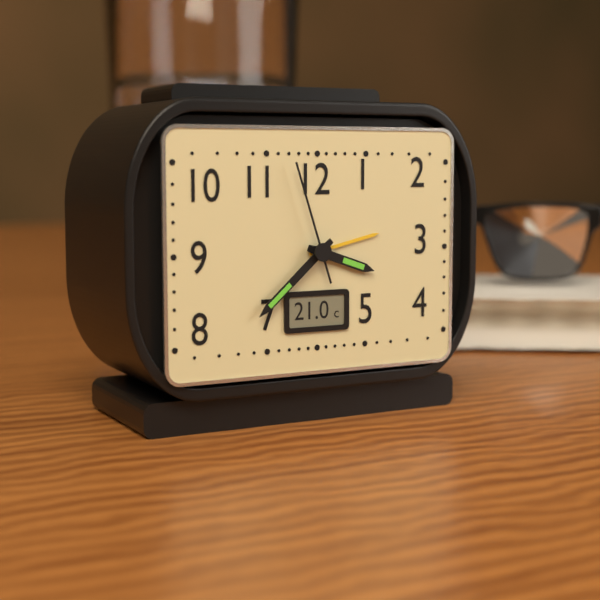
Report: 3:38:57
